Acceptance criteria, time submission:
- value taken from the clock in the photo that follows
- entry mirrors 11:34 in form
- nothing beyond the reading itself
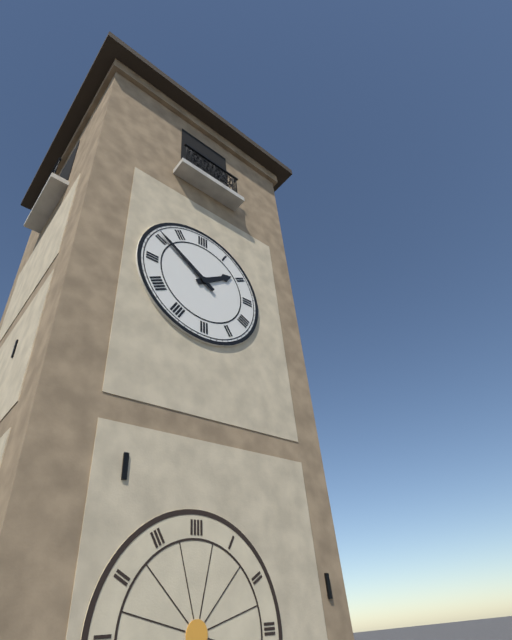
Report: 1:51
